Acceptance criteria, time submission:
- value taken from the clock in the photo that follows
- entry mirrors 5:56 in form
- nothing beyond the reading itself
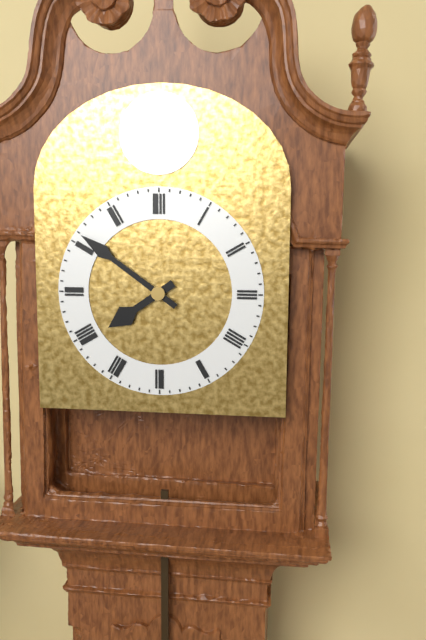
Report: 7:51
